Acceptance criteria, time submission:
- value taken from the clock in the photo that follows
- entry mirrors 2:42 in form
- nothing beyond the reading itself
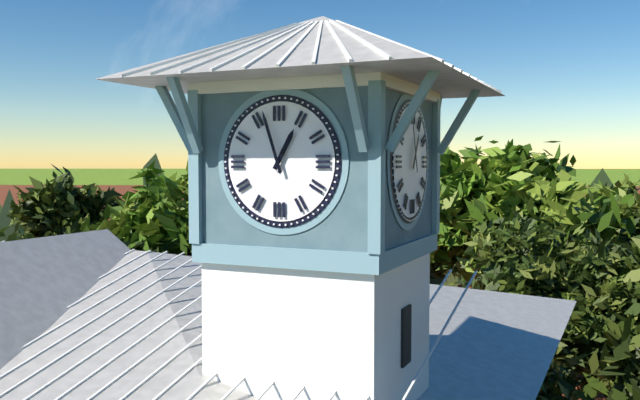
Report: 12:57
